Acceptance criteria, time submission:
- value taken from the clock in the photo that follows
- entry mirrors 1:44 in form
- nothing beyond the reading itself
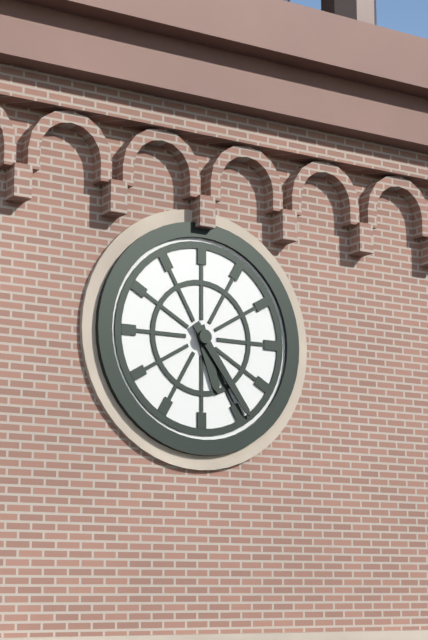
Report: 5:24
